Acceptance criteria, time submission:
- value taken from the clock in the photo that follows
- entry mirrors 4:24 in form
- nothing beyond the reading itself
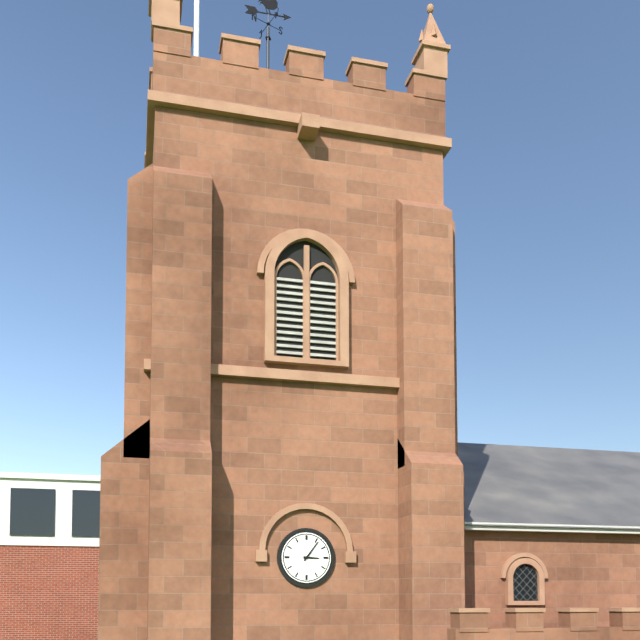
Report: 3:06
